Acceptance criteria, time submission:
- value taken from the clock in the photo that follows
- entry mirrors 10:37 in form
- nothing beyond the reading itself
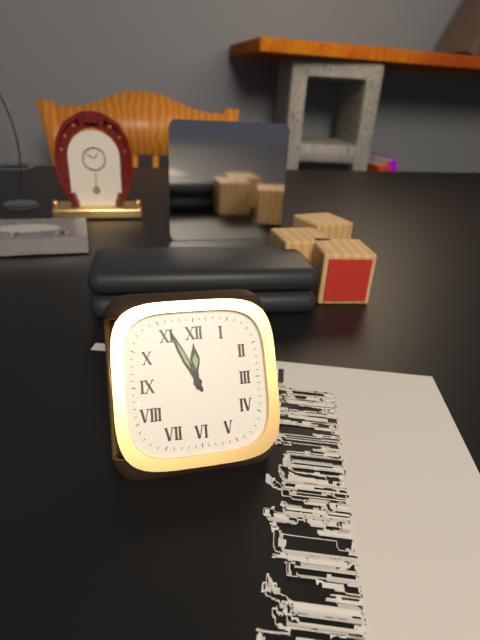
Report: 11:56
